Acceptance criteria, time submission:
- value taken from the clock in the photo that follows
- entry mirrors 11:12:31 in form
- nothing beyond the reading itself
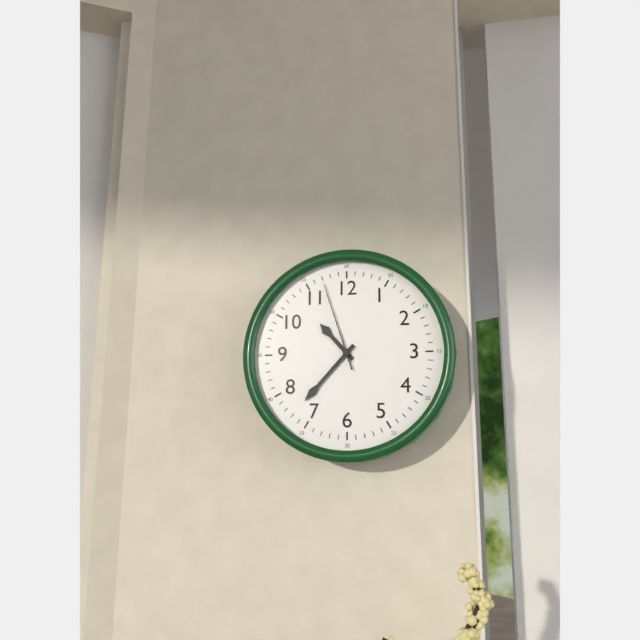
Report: 10:37:57
